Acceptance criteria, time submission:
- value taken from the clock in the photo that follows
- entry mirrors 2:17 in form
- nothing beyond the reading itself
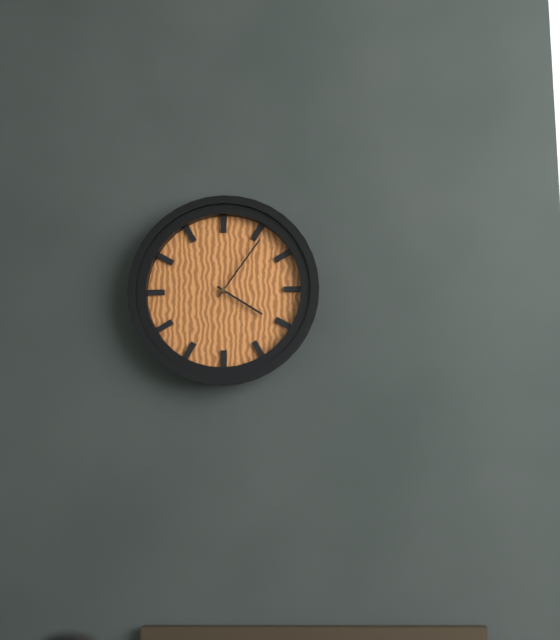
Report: 4:06
